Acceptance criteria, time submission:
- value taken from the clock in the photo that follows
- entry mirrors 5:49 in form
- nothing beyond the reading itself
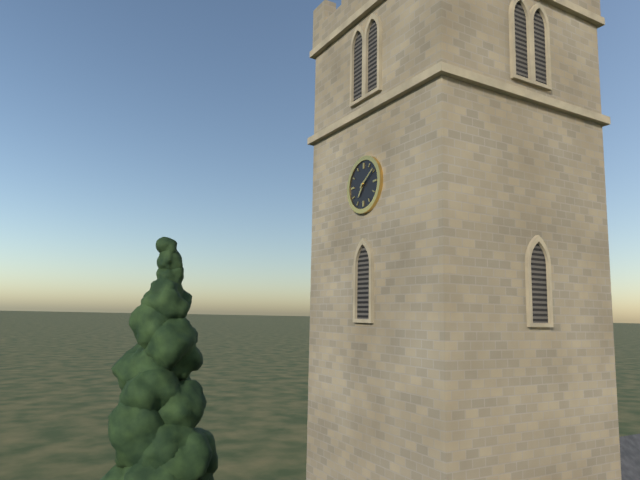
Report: 7:09
